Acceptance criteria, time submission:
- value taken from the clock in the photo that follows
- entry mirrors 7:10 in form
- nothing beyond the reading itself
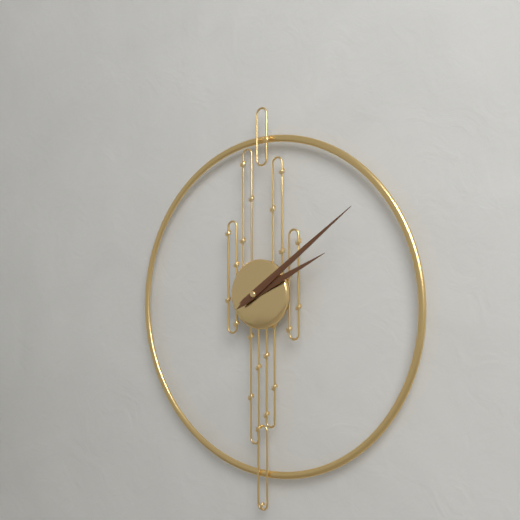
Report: 2:09
